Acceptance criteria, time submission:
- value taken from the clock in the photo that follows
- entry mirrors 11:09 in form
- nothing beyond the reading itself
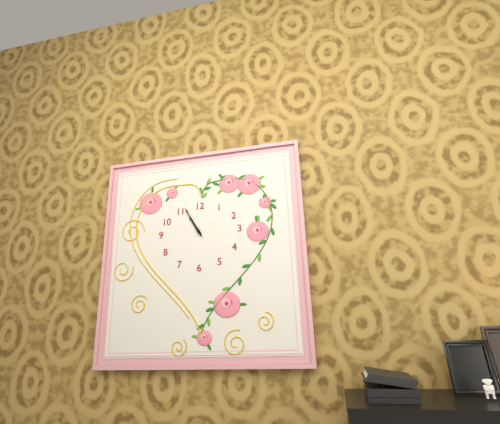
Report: 10:55
